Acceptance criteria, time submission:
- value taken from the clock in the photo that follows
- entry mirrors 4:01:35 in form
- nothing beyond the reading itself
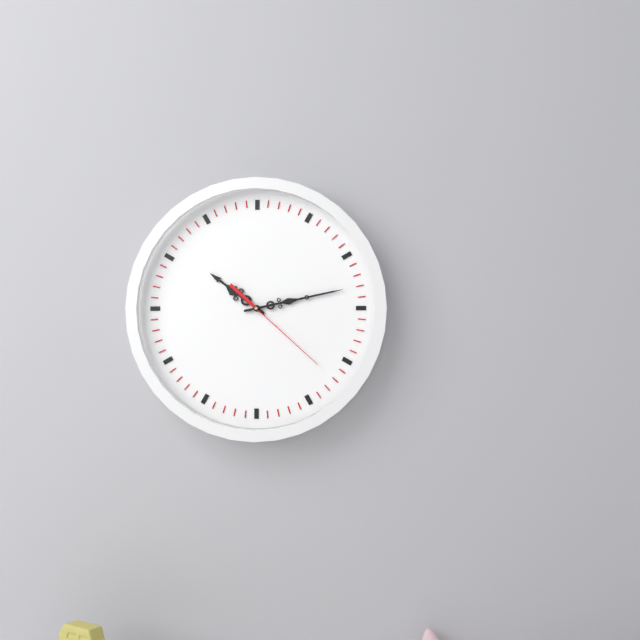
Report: 10:13:22
